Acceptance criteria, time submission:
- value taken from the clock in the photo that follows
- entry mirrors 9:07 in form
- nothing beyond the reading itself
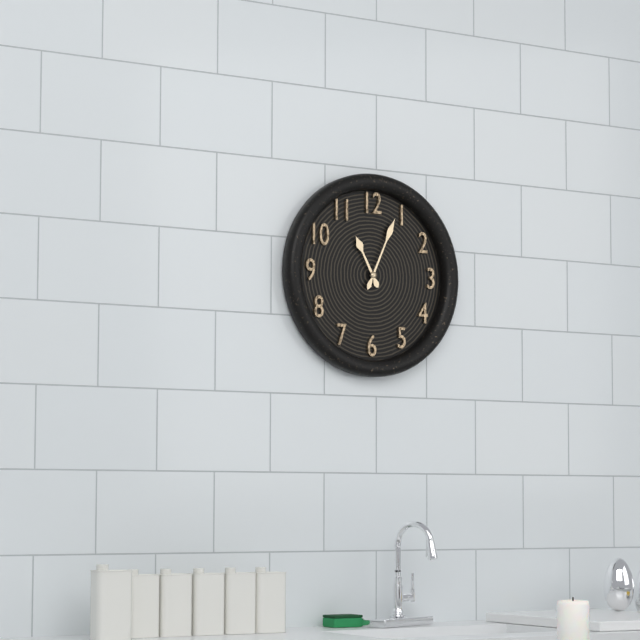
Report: 11:04
